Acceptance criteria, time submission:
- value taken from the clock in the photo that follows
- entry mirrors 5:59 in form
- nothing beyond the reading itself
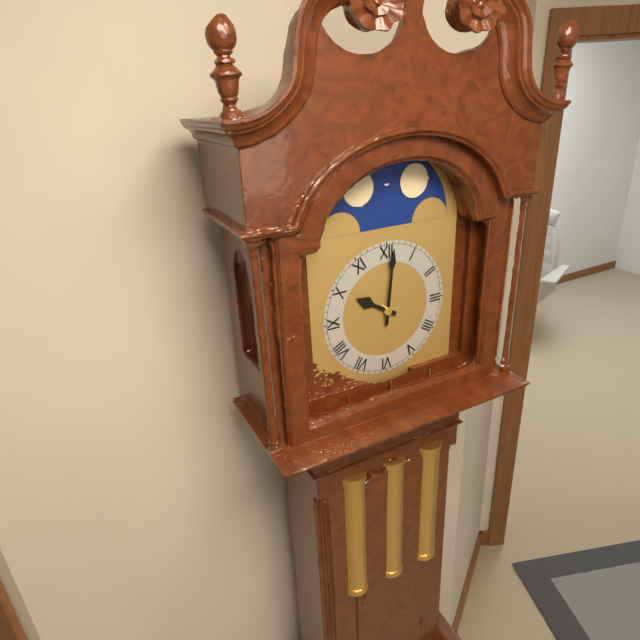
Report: 10:01
